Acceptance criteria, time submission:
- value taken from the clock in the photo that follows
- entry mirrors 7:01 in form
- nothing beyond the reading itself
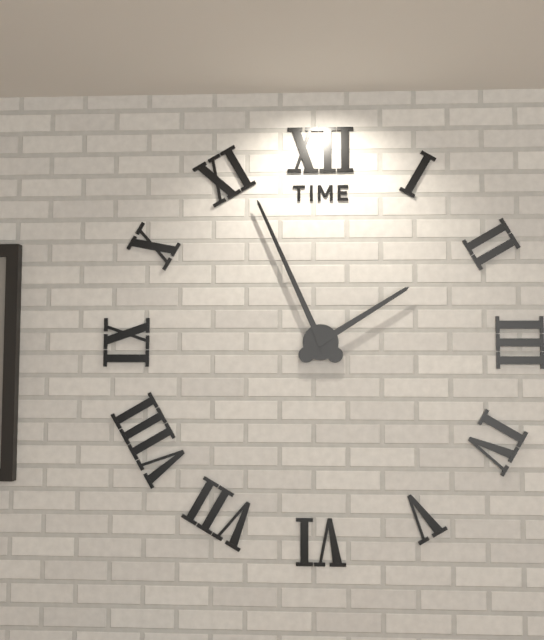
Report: 1:56
